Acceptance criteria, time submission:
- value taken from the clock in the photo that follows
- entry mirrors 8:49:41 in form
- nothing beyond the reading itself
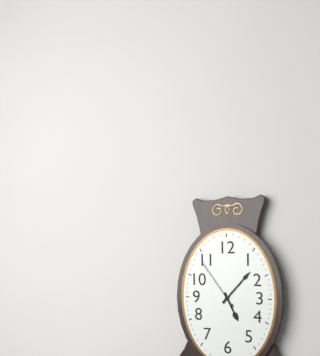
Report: 5:07:54
